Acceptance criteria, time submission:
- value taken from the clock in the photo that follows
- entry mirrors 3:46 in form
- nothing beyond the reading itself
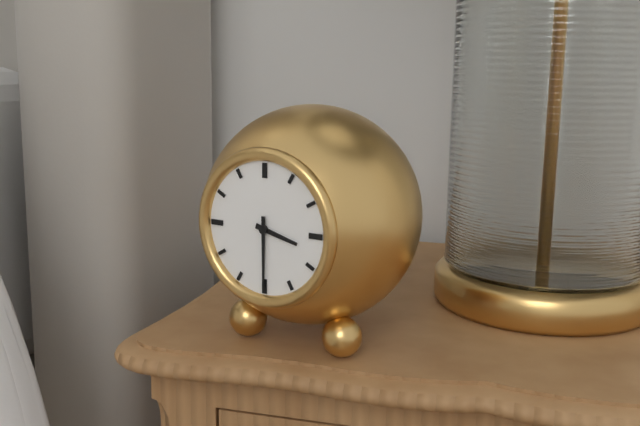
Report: 3:30
